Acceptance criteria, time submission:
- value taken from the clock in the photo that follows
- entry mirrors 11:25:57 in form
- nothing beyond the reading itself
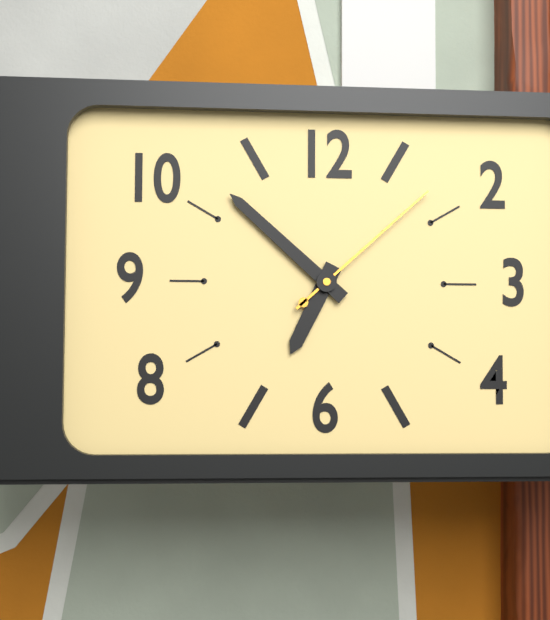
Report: 6:52:08
